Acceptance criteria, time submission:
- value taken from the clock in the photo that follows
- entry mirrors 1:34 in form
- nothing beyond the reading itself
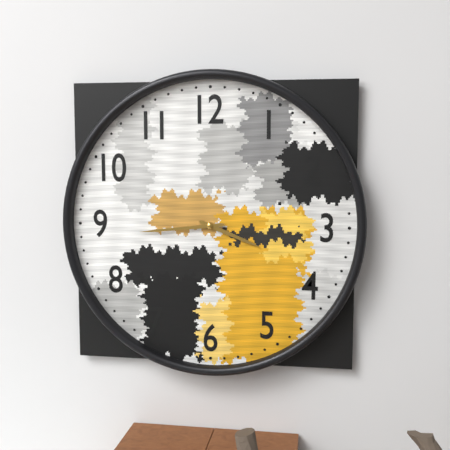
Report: 3:44
